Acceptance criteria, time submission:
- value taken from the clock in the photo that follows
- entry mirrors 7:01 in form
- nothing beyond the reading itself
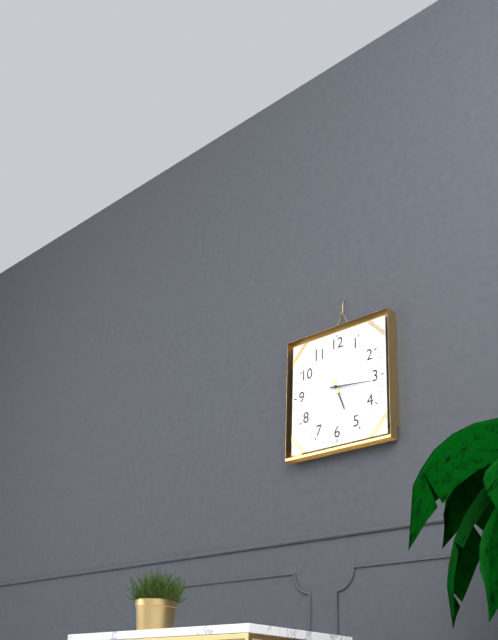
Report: 5:16
